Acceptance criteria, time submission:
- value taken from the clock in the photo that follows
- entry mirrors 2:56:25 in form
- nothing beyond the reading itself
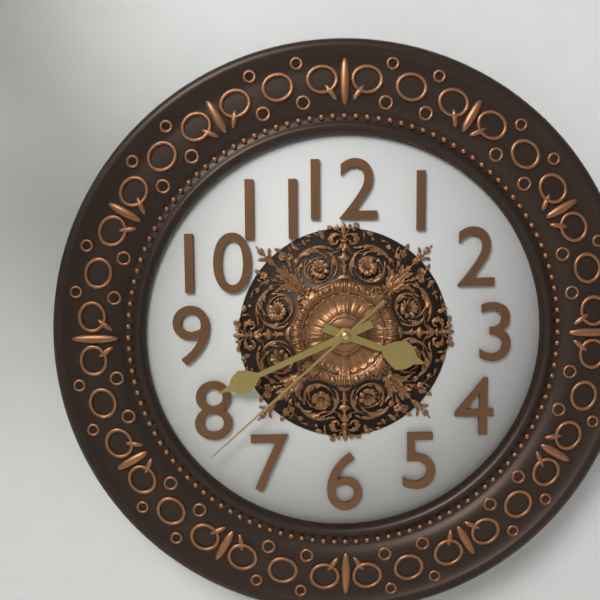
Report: 3:41:38
